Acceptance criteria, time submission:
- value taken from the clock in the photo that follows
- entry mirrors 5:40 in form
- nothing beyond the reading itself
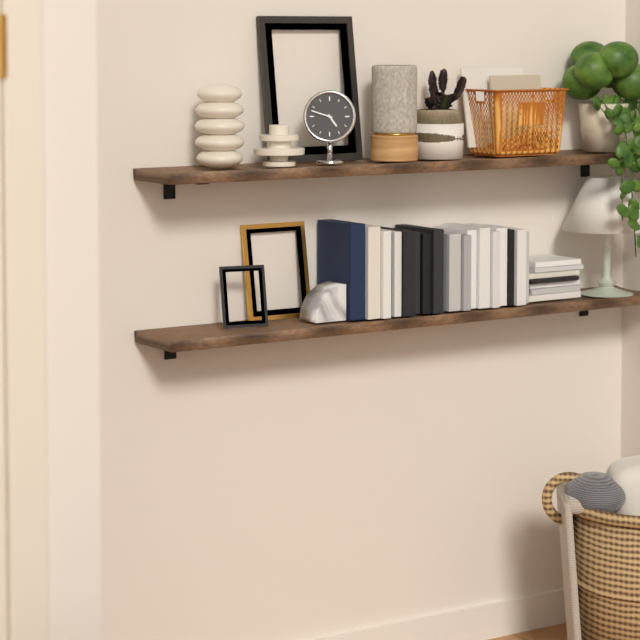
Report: 4:48
